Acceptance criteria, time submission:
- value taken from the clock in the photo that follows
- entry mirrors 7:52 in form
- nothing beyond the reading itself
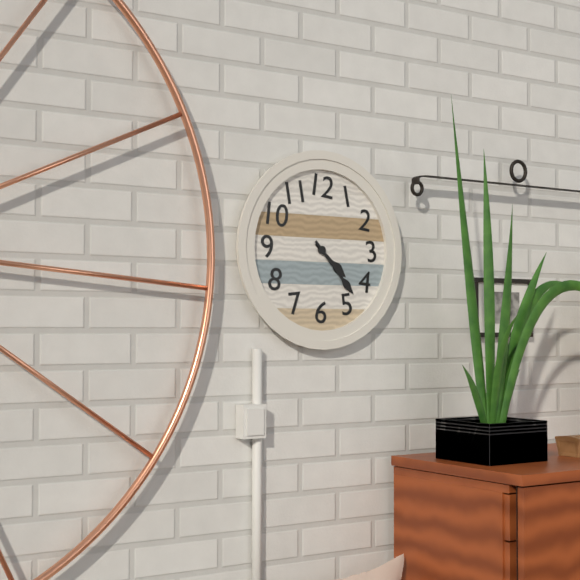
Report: 4:23
